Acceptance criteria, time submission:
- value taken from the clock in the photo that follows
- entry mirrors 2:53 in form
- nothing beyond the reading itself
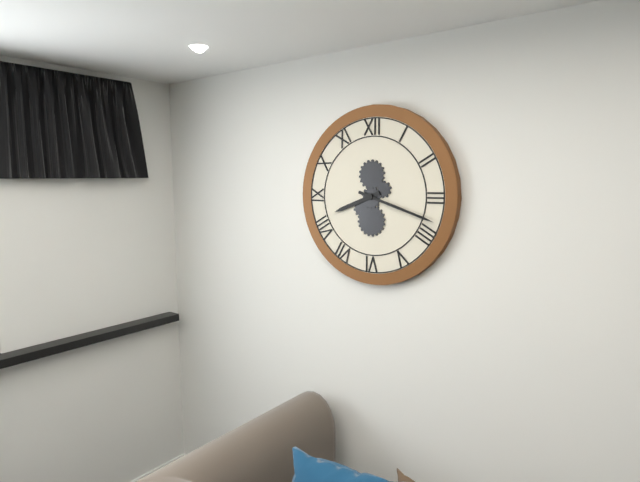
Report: 8:18
